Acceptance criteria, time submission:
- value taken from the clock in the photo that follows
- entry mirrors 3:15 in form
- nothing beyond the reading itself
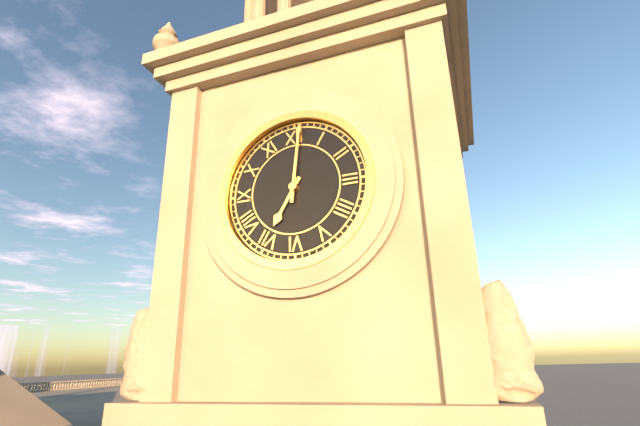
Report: 7:01
